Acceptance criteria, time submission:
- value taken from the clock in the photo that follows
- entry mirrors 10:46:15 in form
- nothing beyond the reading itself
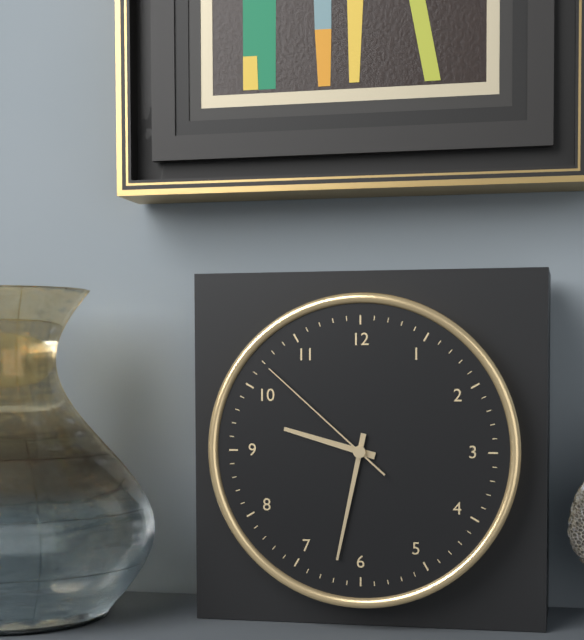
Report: 9:32:52
